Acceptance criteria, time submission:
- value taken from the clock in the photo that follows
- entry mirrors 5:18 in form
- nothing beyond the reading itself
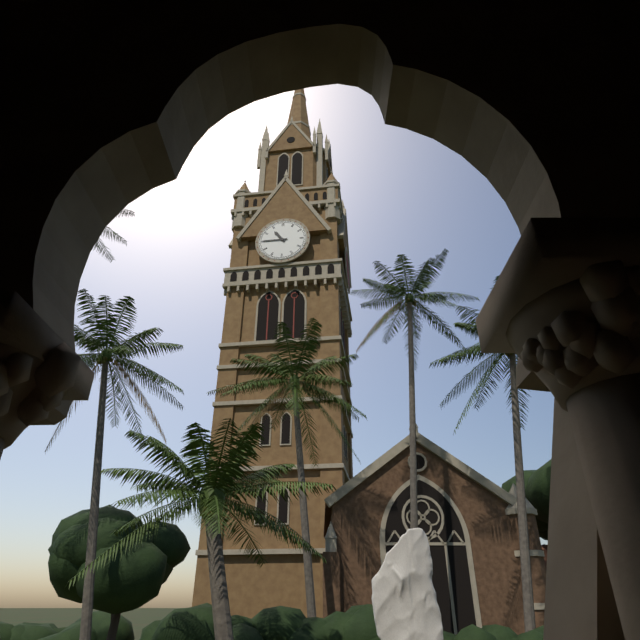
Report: 10:45
